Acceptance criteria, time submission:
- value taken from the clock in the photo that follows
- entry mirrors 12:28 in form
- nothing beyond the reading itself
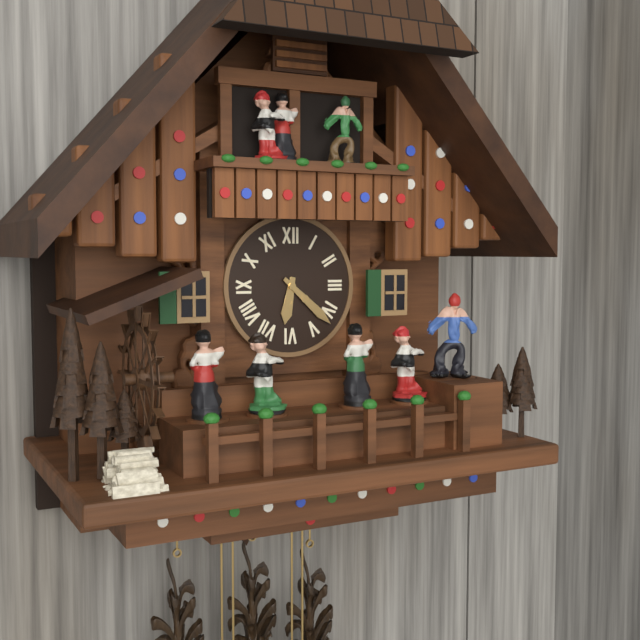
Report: 6:22
